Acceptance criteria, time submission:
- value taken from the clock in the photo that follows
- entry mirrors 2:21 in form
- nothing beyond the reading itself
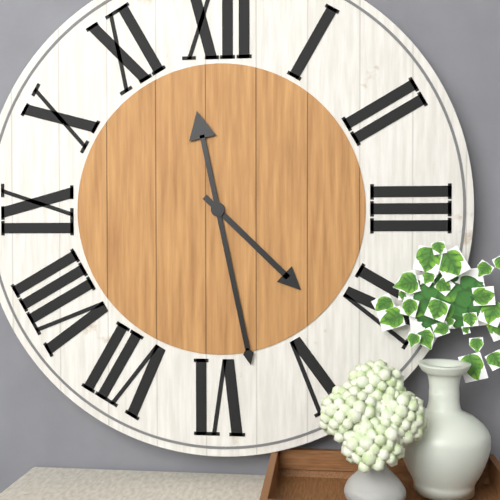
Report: 4:28
